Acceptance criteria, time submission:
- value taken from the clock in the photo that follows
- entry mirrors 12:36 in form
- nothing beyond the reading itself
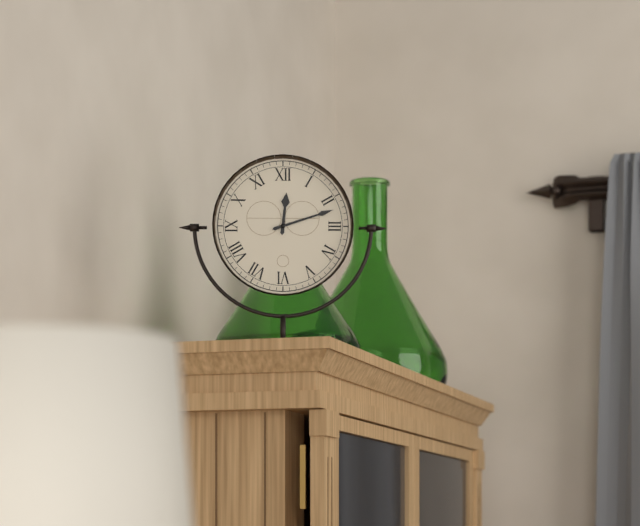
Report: 12:12
